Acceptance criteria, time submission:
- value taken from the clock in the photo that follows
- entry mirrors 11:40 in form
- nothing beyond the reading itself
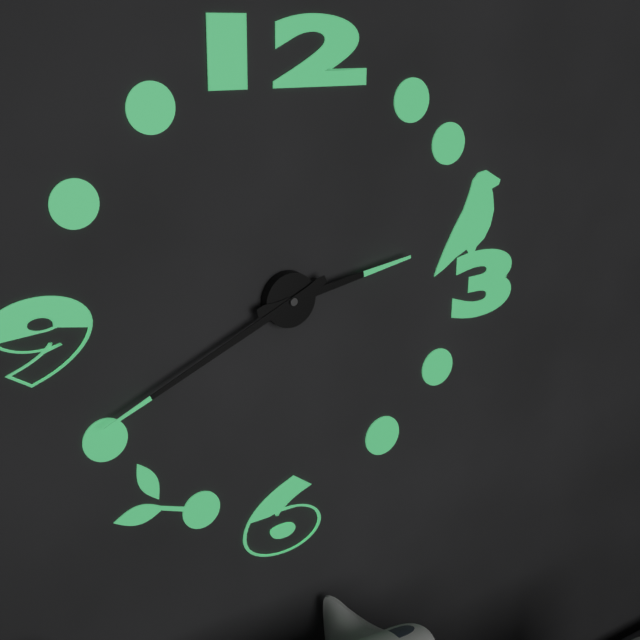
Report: 2:41
